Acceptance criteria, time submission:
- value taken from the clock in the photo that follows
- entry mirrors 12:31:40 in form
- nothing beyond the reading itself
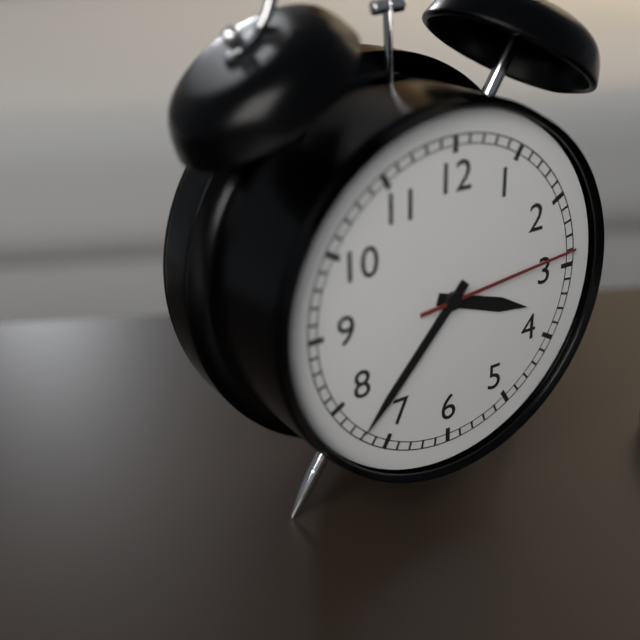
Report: 3:37:14
